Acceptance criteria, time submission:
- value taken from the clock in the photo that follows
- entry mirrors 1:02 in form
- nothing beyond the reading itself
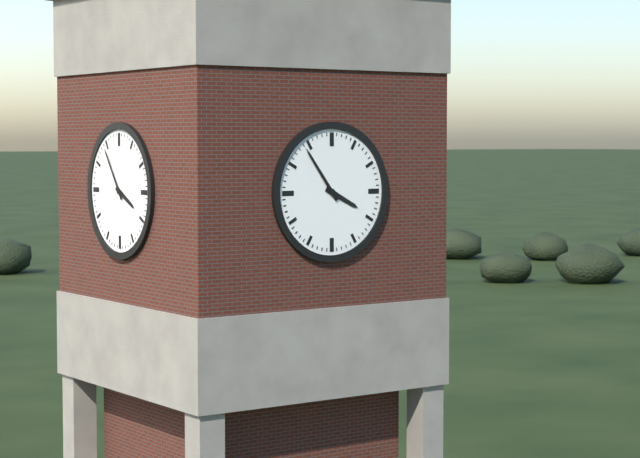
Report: 3:54
